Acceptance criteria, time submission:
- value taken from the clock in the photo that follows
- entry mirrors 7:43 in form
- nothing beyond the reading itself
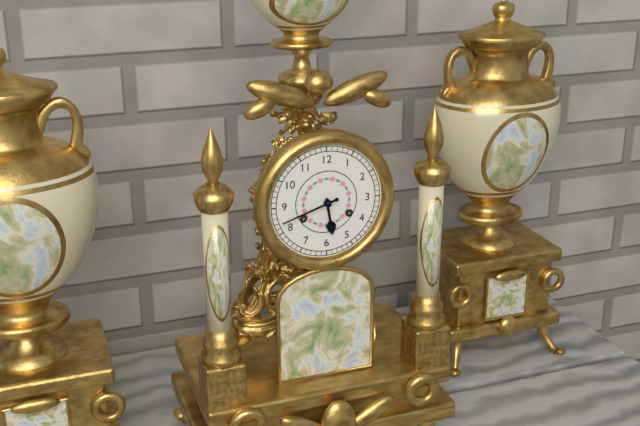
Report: 5:42
